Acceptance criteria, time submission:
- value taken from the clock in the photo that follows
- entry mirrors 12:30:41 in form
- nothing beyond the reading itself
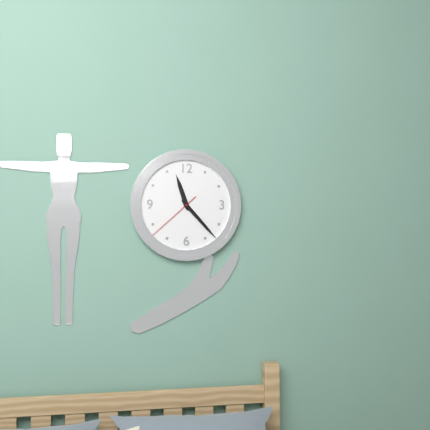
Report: 11:23:38
